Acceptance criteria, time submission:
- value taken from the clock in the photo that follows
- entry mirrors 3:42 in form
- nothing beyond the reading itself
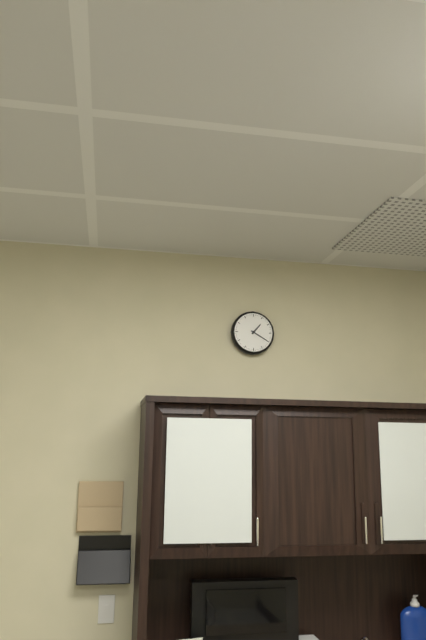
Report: 1:20
